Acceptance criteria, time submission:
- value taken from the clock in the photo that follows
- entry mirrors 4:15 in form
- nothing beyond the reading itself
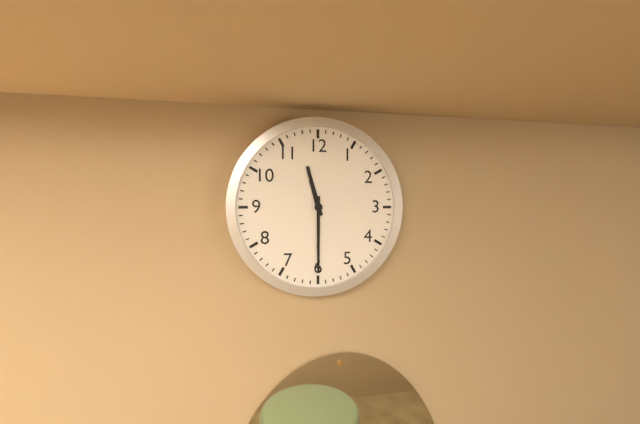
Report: 11:30
